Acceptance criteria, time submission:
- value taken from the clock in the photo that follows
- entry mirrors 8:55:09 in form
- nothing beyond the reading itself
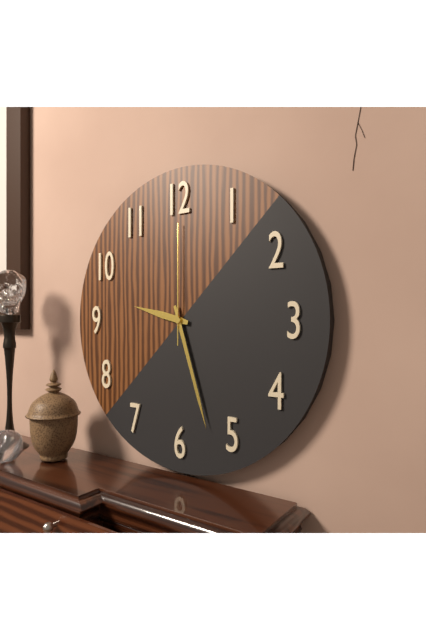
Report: 9:27:00
